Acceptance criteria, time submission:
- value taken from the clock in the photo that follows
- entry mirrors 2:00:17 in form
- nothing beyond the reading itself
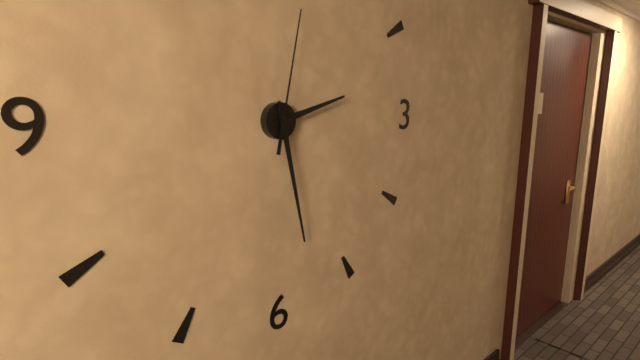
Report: 2:28:02
